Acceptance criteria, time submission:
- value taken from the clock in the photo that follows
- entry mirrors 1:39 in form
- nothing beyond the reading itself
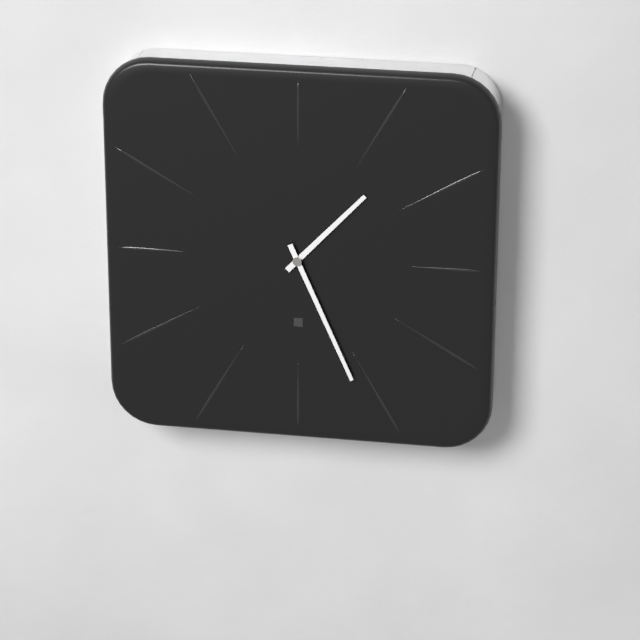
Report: 1:26
